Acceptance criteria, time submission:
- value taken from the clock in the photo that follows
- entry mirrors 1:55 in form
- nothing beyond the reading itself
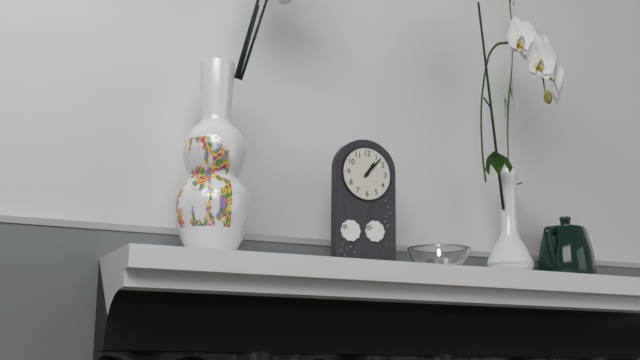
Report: 1:07
